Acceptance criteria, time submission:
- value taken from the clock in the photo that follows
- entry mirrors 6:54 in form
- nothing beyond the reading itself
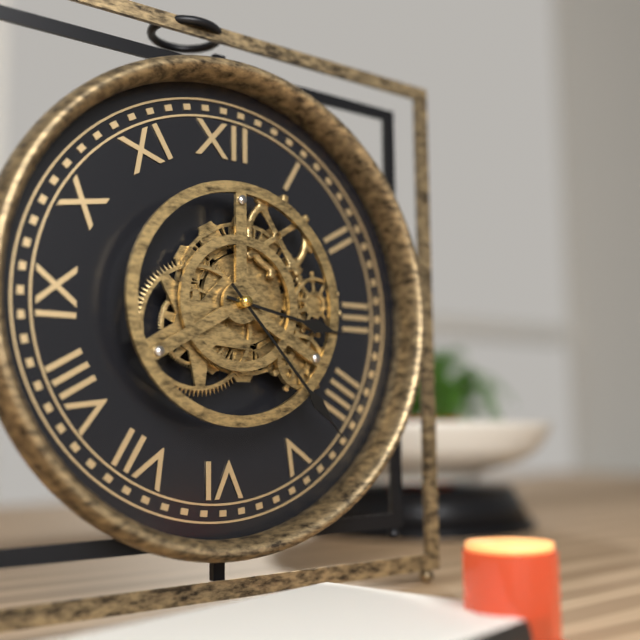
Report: 3:23
